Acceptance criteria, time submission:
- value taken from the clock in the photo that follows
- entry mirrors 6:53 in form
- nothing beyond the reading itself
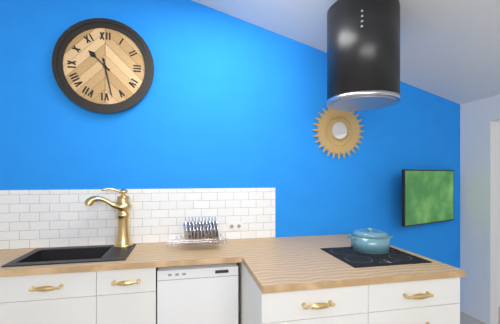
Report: 10:28
